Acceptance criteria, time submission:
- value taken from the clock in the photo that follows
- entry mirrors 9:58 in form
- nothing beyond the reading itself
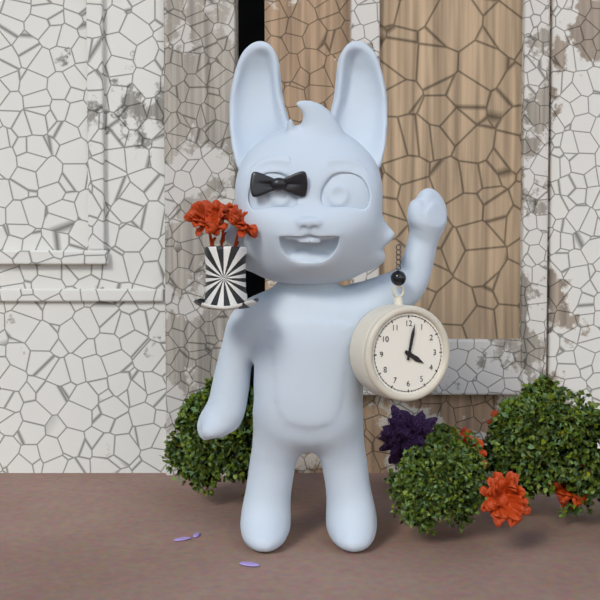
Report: 4:02
